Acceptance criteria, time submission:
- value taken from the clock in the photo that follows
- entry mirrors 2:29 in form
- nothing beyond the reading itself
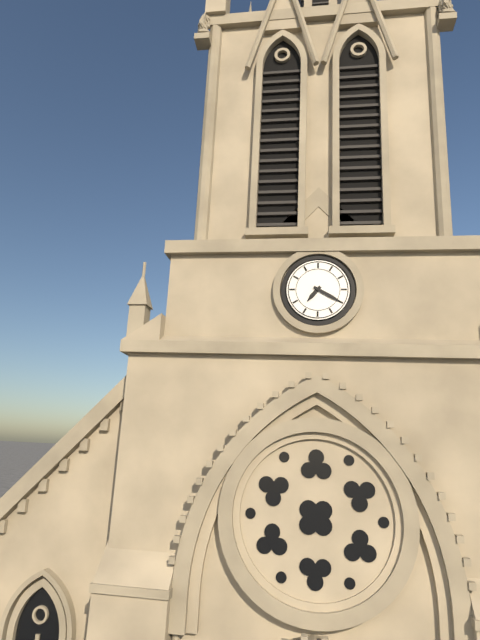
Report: 7:20
